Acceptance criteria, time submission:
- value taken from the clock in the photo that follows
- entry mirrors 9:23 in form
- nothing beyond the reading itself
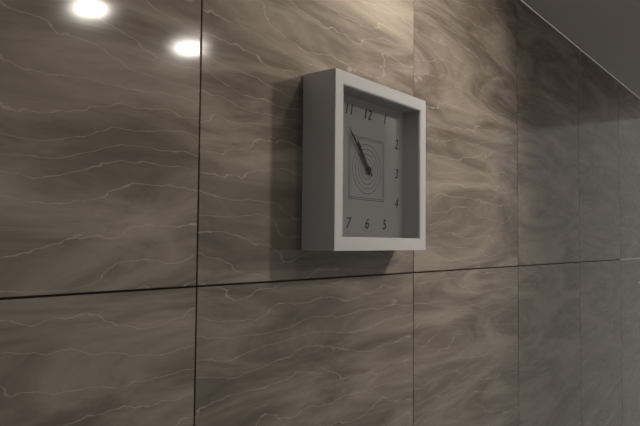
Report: 10:53
